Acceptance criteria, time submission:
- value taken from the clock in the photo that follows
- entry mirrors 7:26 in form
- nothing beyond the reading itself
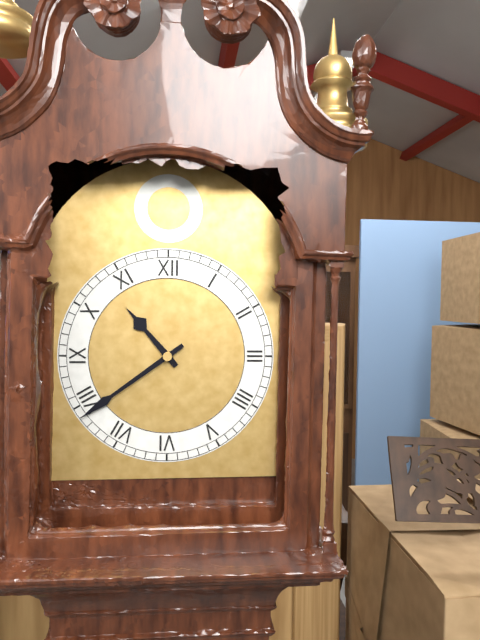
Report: 10:39
